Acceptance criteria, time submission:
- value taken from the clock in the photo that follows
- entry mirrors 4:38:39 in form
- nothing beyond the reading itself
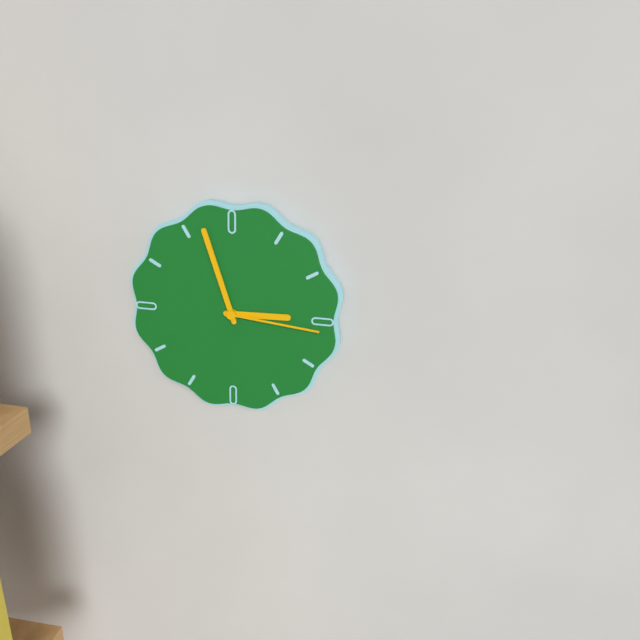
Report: 2:57:16
